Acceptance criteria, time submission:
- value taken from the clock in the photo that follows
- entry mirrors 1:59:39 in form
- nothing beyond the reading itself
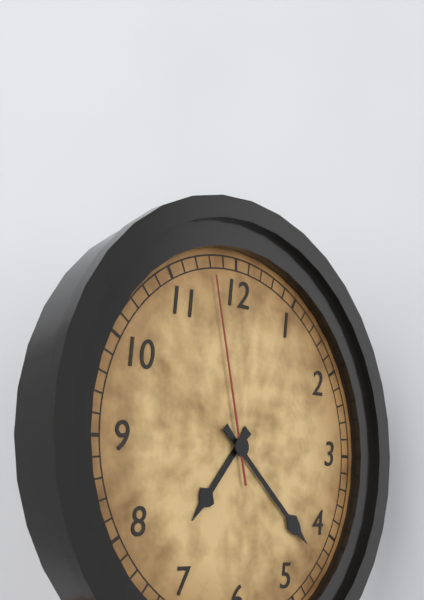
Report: 7:22:58
